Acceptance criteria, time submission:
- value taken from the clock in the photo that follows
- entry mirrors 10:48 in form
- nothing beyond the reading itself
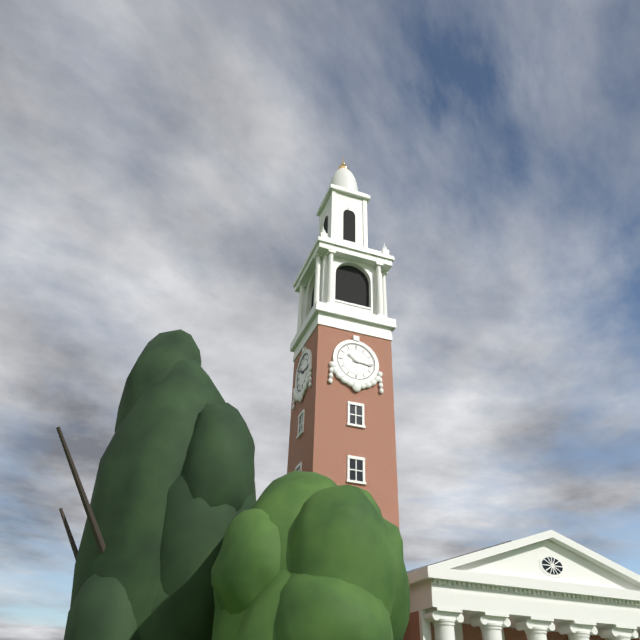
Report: 10:16
